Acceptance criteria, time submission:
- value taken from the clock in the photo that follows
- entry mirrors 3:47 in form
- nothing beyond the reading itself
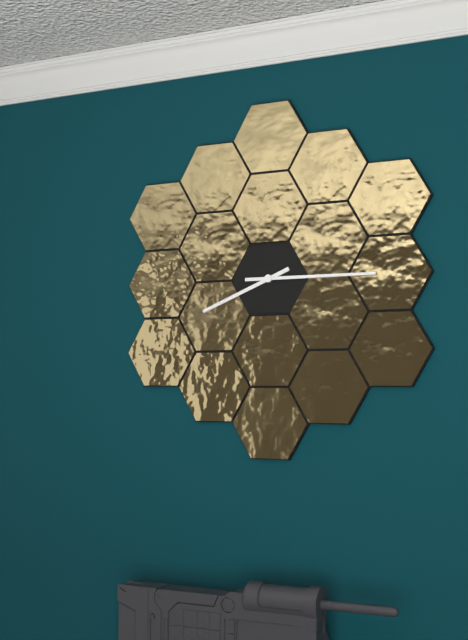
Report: 8:15
